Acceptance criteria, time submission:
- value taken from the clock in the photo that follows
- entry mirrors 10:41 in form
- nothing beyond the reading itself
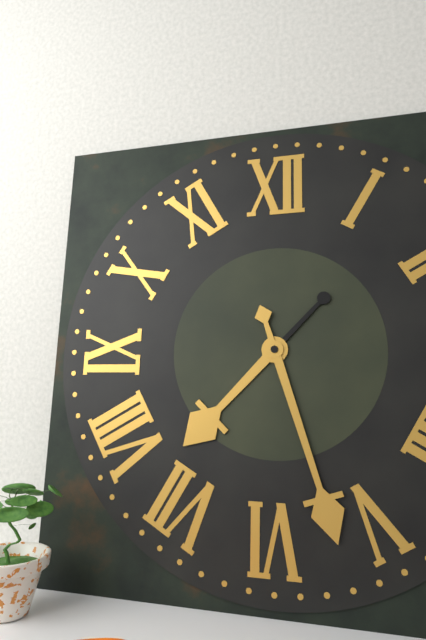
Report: 7:27
